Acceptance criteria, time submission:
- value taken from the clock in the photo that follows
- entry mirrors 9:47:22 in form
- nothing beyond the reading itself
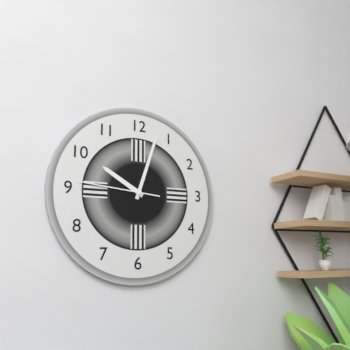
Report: 10:03:46
